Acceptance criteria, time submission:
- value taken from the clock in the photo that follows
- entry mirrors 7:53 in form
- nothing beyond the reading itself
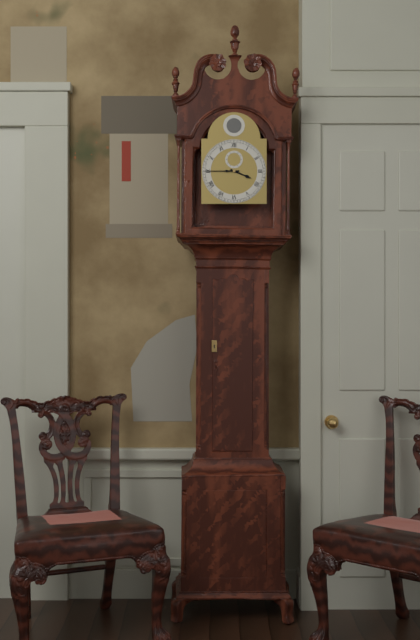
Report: 3:45
